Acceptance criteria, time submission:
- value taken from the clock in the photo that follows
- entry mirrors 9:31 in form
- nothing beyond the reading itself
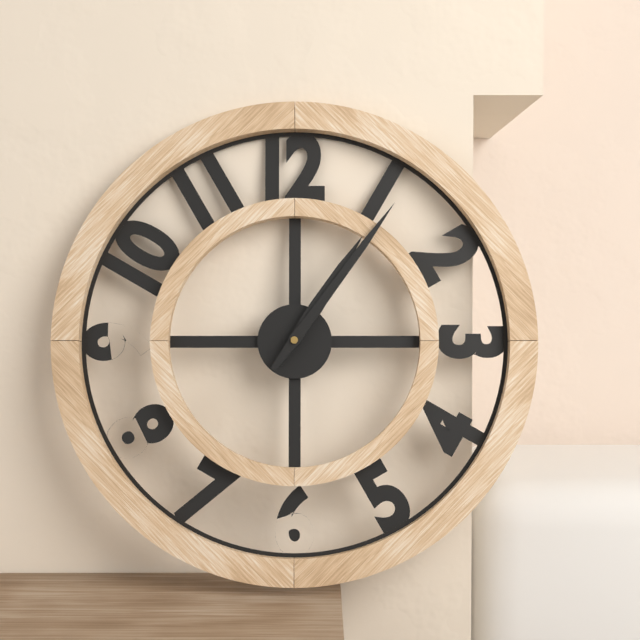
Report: 1:06
